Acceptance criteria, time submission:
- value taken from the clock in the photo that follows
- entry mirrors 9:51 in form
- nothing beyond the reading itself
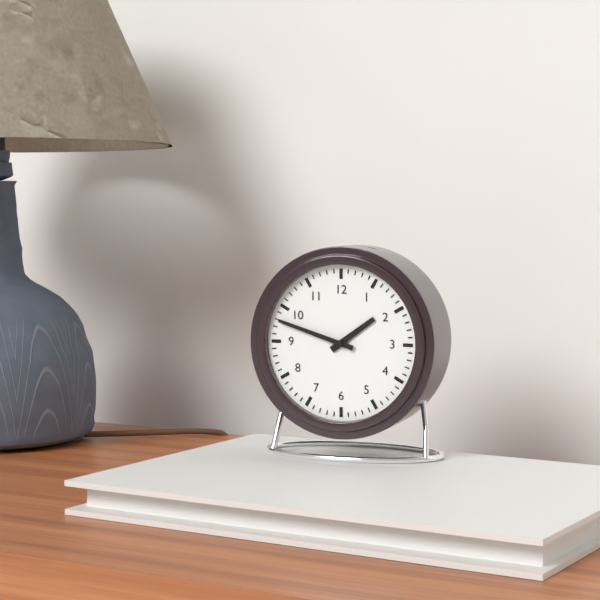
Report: 1:48
